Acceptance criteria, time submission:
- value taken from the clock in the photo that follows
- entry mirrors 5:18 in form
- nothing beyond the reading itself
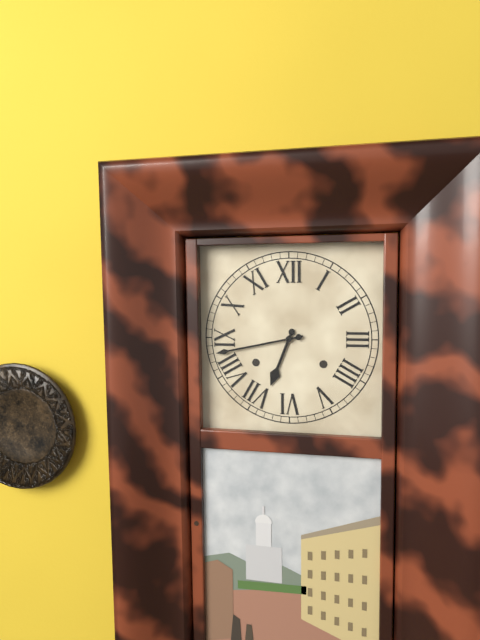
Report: 6:43
